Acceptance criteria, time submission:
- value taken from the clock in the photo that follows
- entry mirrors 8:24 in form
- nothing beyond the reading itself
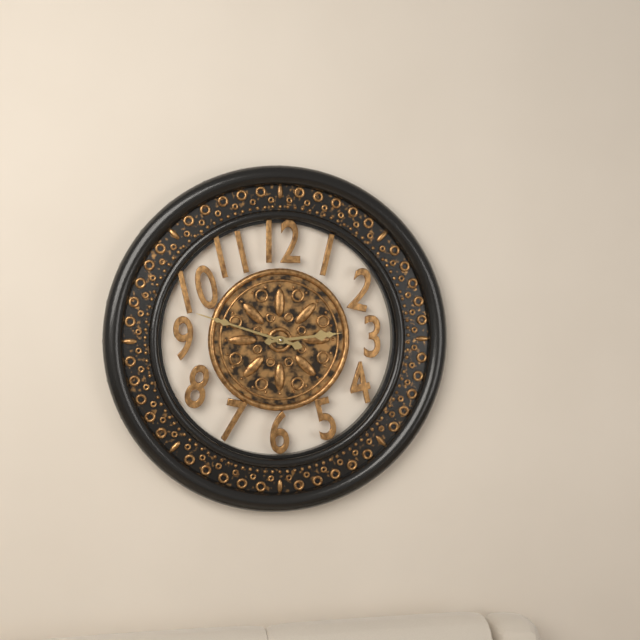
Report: 2:48
